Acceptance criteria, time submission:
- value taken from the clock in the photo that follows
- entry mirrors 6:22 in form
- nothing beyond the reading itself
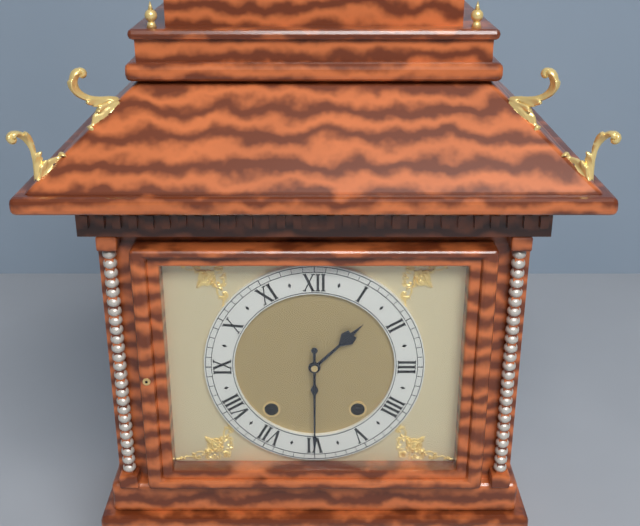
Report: 1:30
